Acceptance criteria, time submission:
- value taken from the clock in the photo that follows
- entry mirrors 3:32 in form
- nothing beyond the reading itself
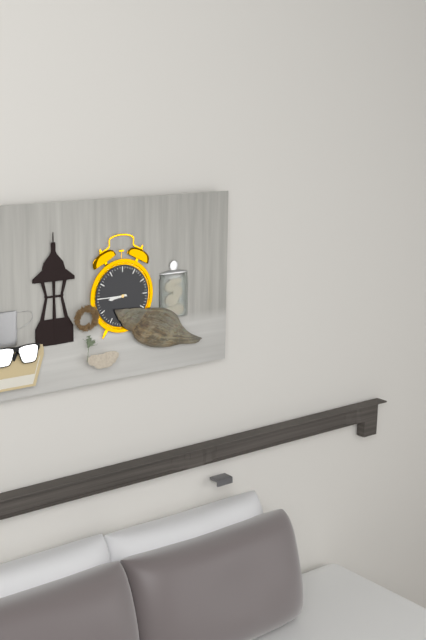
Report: 8:45
